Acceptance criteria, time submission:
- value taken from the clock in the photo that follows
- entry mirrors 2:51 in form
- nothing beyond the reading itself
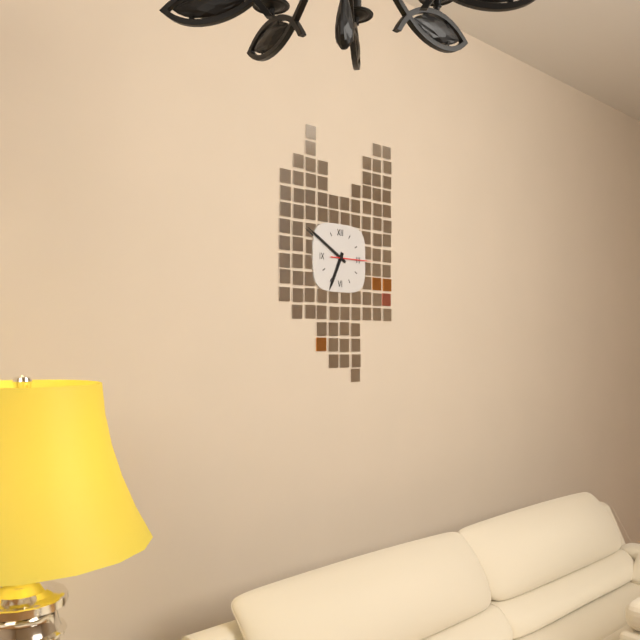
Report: 6:50
